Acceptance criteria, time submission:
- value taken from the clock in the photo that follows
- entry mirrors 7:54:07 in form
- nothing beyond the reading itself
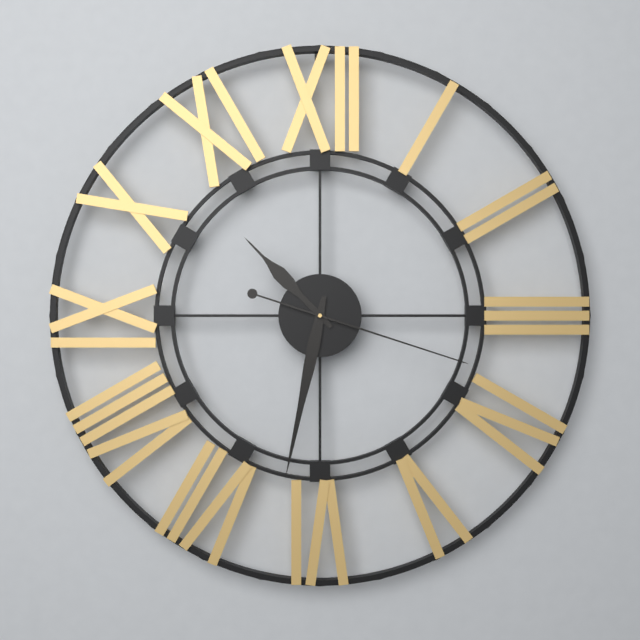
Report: 10:32:18
